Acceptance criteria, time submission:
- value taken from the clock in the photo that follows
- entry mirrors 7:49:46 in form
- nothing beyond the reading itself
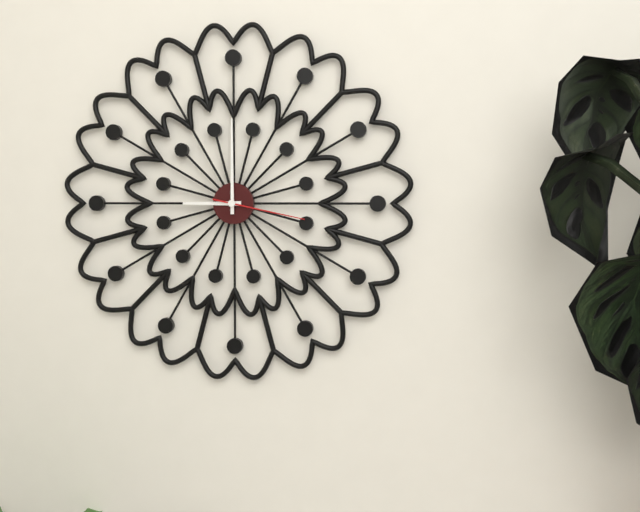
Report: 9:00:17
